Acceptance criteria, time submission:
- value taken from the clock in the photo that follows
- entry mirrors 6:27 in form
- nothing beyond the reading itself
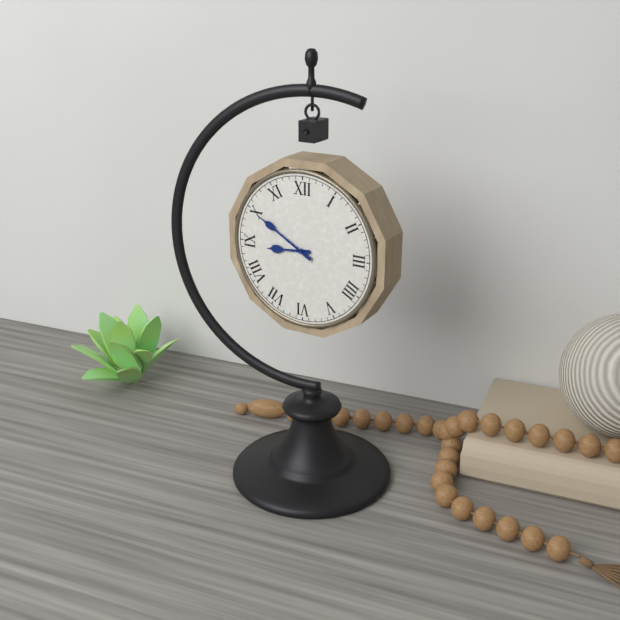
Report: 8:50
